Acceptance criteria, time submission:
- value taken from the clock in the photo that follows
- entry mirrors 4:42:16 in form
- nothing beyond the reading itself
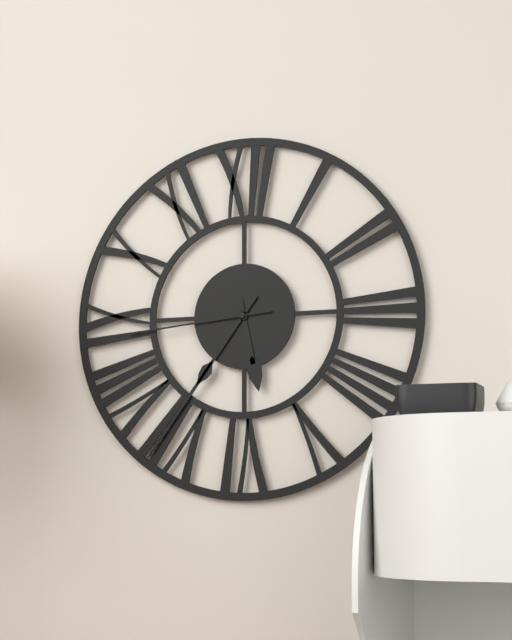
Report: 5:36:44
